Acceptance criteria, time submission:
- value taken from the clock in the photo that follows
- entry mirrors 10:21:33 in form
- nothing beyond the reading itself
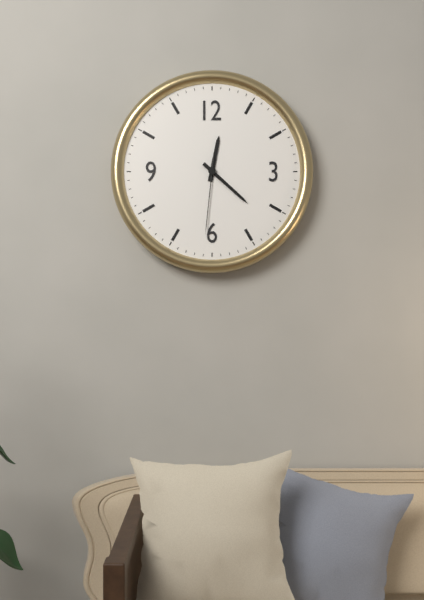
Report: 12:22:31
